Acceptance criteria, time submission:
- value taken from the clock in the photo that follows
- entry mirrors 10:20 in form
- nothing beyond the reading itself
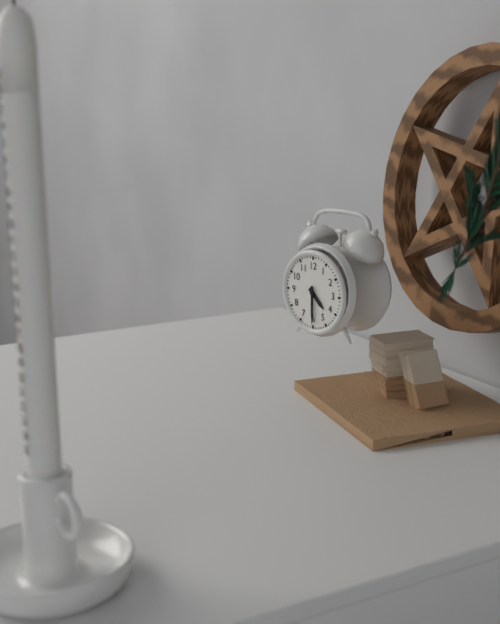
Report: 4:30
